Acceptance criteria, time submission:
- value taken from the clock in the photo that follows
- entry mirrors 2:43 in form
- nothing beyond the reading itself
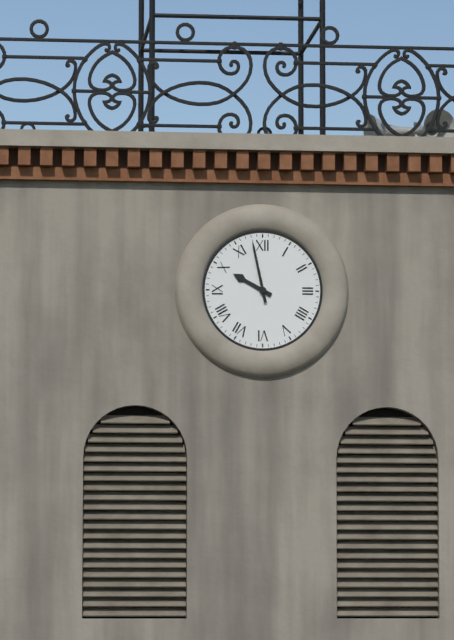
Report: 9:58
